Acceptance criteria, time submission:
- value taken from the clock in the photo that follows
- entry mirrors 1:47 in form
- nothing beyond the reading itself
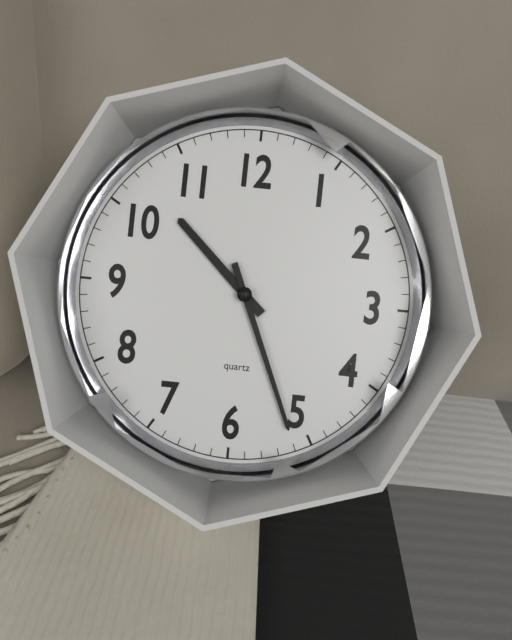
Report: 10:26
